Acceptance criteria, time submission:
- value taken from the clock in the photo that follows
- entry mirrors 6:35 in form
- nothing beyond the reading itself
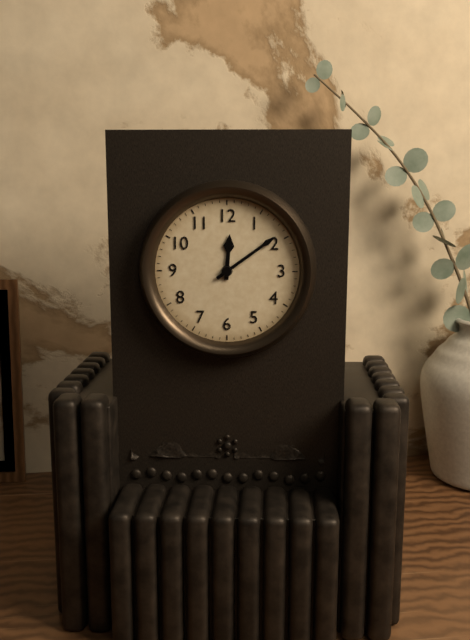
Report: 12:09
